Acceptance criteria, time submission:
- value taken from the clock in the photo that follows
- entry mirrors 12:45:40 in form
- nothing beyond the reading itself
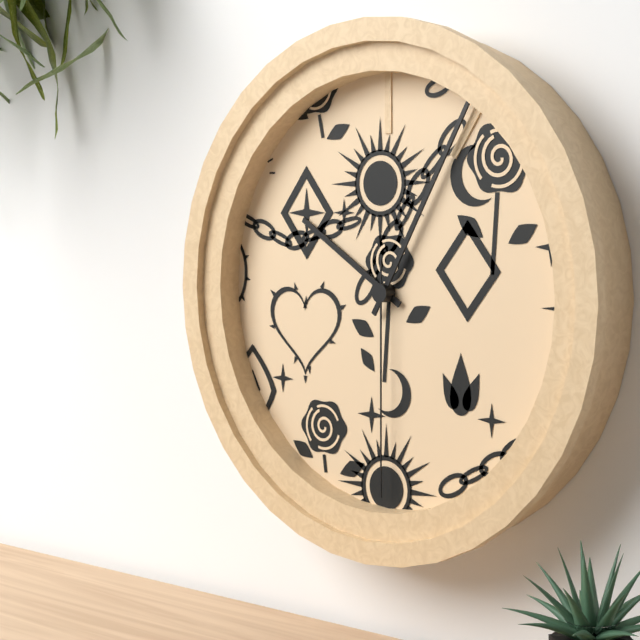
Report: 10:05:30
